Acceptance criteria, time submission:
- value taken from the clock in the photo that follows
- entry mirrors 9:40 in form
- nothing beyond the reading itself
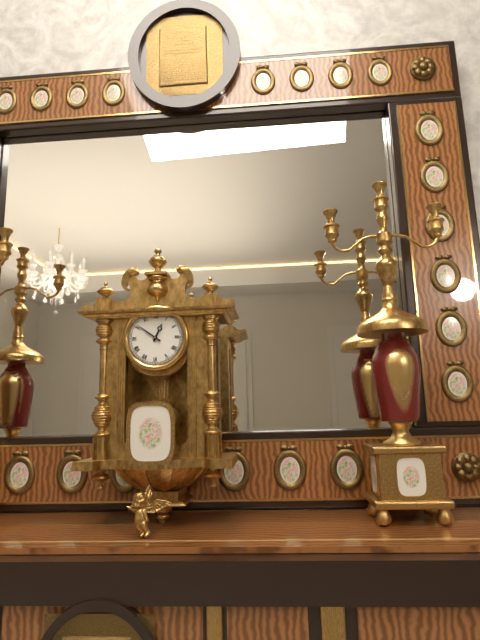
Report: 12:51
